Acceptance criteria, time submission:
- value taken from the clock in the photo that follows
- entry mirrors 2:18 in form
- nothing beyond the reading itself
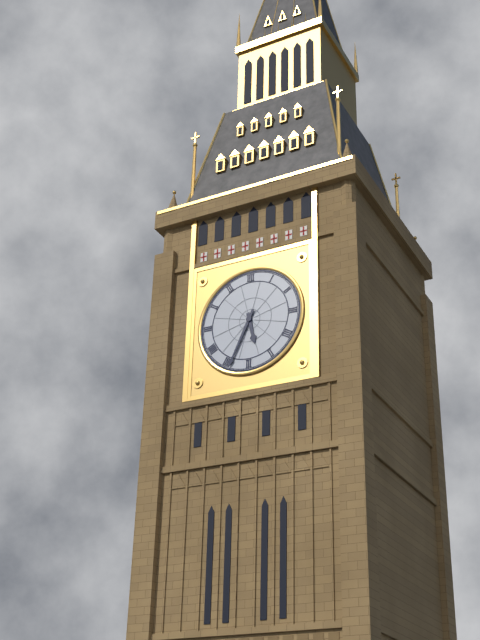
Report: 5:34
